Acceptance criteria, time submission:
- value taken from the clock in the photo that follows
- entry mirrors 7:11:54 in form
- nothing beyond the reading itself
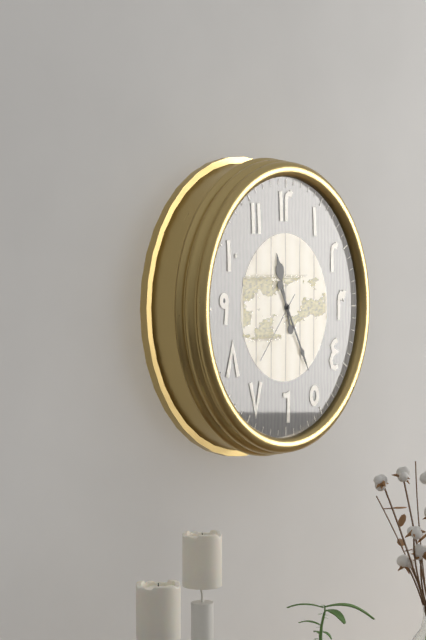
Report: 11:25:37
